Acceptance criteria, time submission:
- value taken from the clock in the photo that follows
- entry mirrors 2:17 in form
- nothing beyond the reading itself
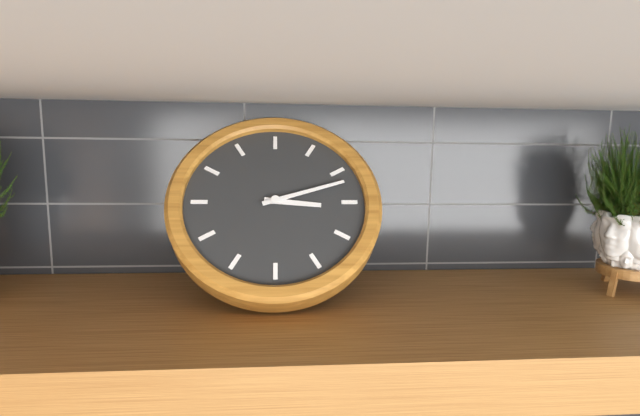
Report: 3:12
